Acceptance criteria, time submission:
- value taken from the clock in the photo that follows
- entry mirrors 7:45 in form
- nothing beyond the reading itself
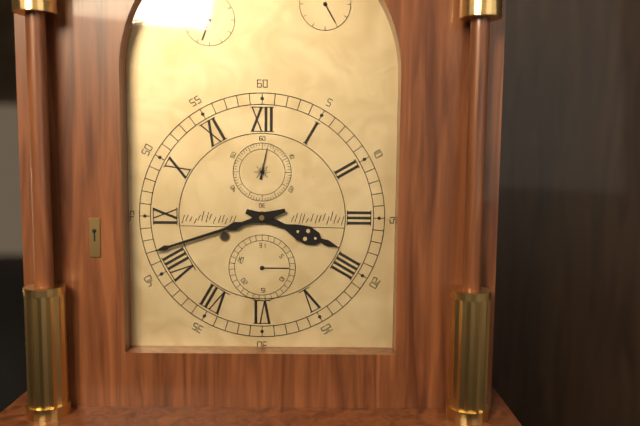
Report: 3:42
